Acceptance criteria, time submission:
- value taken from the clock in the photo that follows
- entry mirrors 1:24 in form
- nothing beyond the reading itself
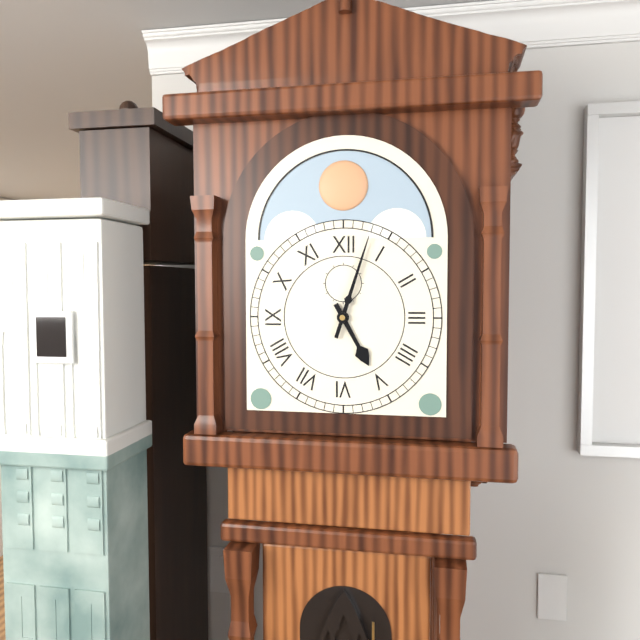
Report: 5:03
